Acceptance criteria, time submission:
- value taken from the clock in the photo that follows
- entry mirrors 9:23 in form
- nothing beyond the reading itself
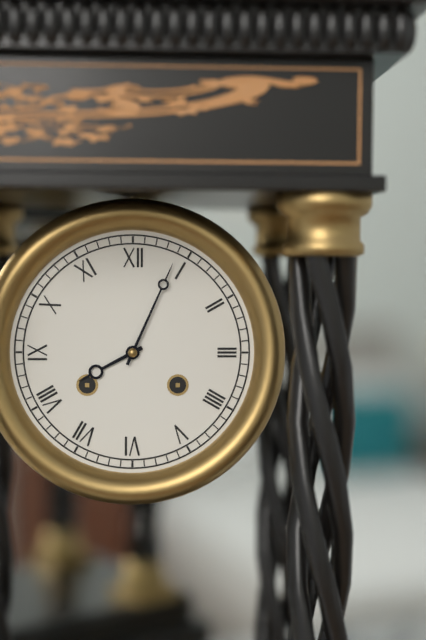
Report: 8:04
